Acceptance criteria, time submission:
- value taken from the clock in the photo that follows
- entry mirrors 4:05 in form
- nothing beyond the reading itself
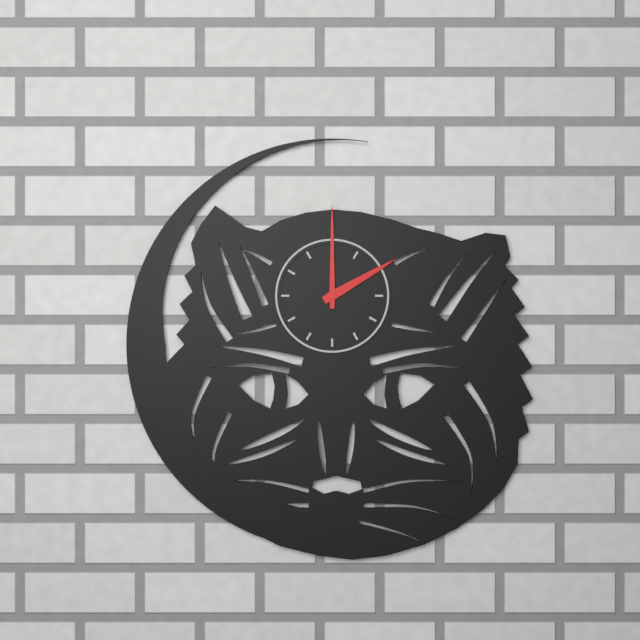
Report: 2:00
